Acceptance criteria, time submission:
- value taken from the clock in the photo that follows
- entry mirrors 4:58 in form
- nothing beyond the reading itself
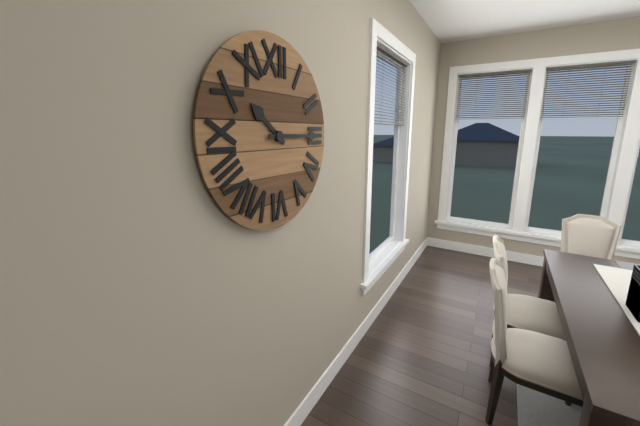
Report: 10:15
